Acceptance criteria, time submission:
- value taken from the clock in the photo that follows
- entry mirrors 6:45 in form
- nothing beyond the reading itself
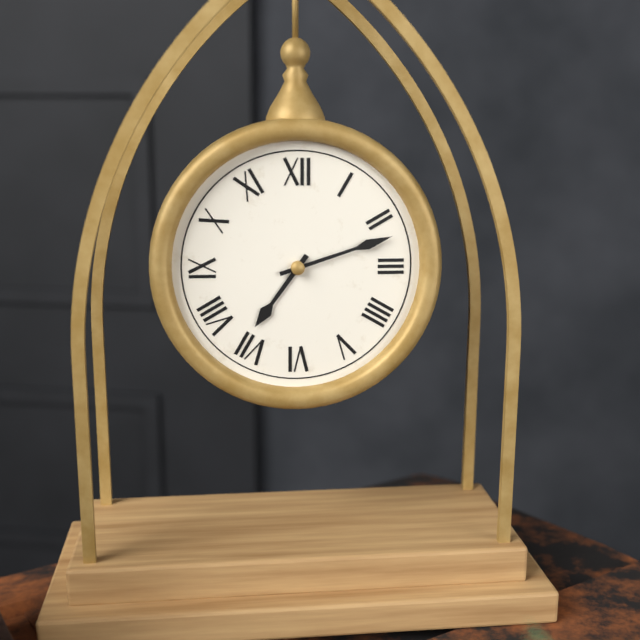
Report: 7:12
